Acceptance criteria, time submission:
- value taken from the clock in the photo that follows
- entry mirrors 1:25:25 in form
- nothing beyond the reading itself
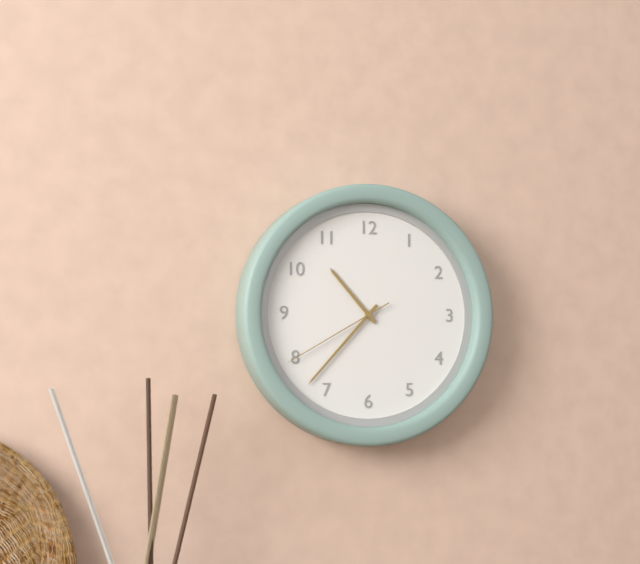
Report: 10:37:40
